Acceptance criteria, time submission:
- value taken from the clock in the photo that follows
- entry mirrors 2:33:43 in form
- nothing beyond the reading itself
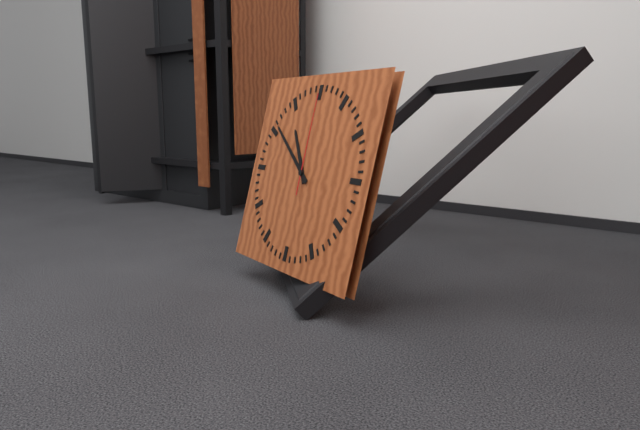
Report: 10:51:00
